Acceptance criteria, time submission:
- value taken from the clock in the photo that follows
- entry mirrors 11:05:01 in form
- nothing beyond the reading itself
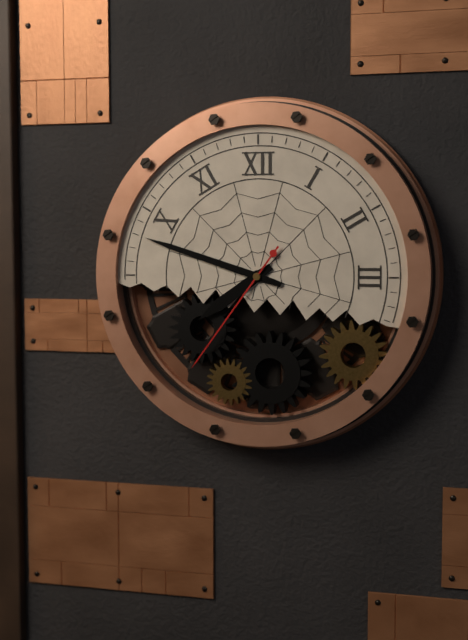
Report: 7:48:36
